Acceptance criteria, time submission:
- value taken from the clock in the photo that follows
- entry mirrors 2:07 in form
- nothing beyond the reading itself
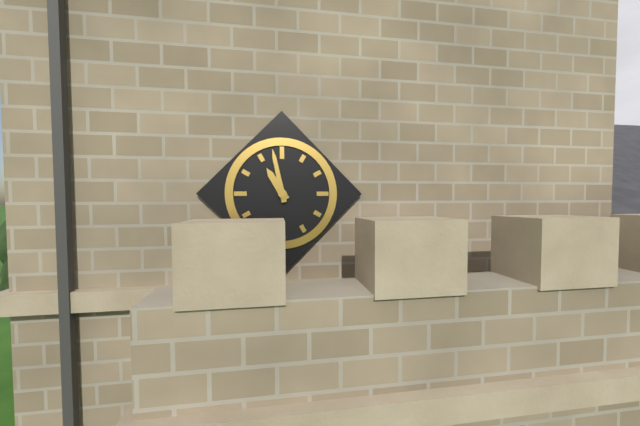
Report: 10:58
